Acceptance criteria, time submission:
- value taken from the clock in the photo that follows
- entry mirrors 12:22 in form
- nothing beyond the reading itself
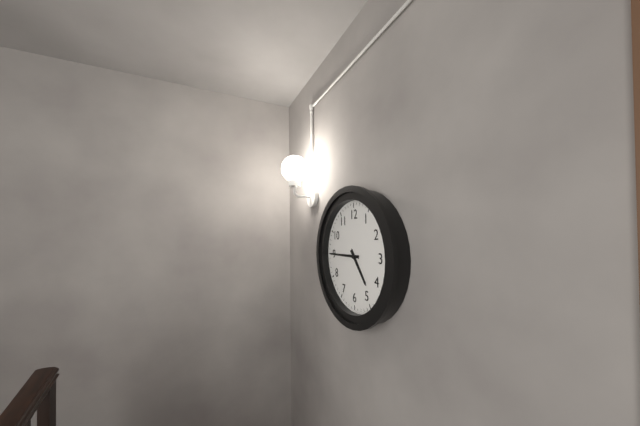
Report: 4:45
